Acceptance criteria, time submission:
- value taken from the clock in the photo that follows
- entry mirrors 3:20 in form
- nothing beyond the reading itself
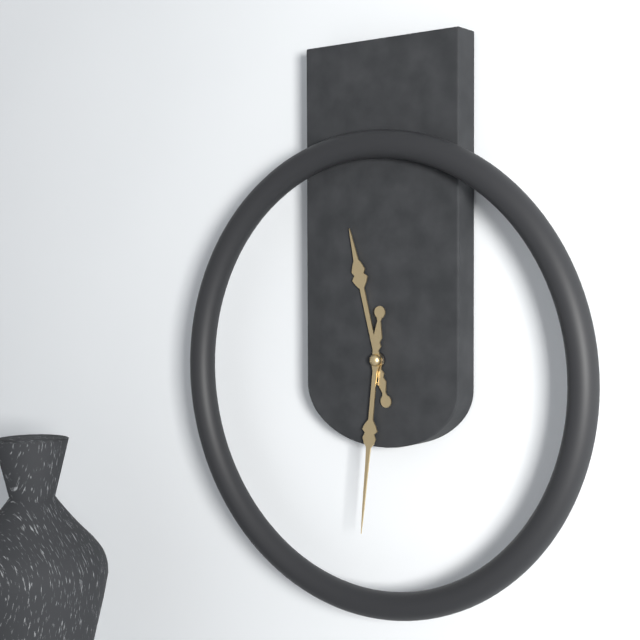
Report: 11:31
